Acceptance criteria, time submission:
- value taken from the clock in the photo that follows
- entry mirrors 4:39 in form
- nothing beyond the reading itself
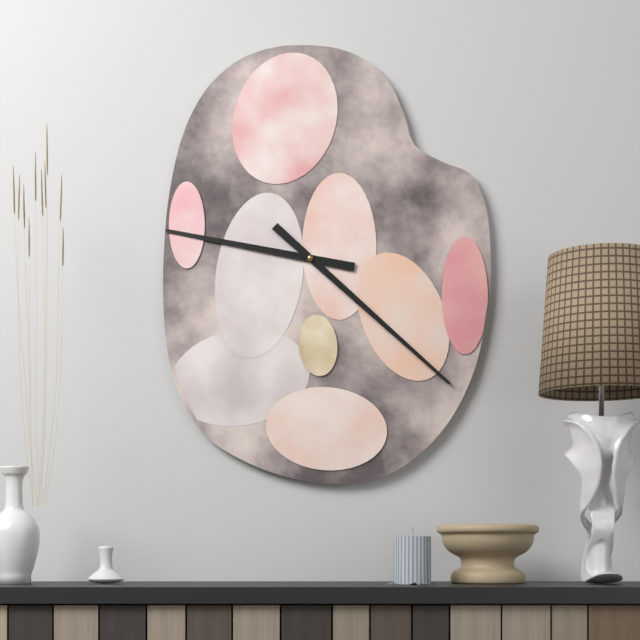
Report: 9:22
